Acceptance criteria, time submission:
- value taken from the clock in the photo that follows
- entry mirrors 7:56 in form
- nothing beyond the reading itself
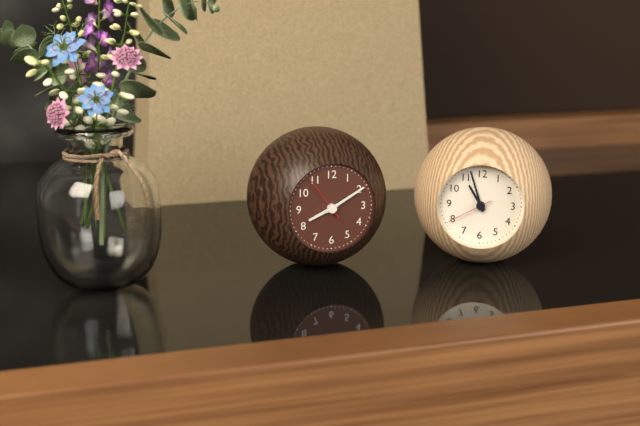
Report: 8:10
